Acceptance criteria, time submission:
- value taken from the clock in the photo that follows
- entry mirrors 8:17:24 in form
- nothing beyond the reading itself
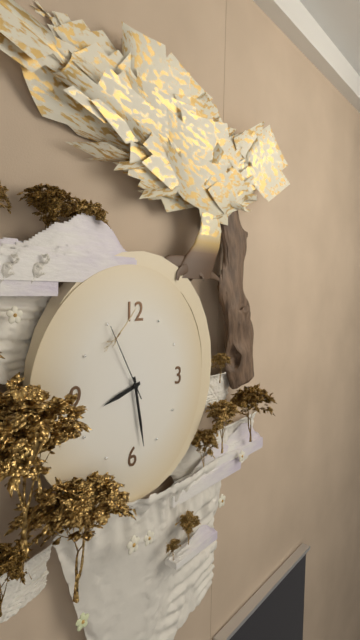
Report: 8:28:55
